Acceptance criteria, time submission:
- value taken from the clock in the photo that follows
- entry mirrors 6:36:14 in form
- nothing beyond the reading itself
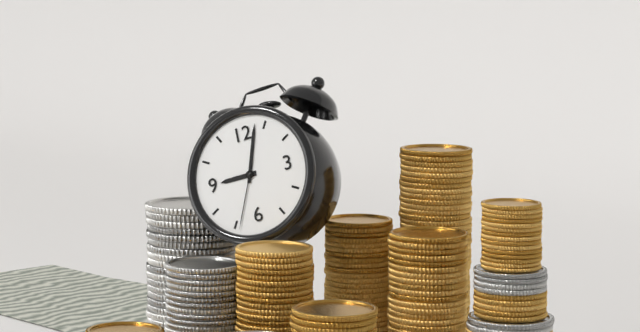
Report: 9:03:34
